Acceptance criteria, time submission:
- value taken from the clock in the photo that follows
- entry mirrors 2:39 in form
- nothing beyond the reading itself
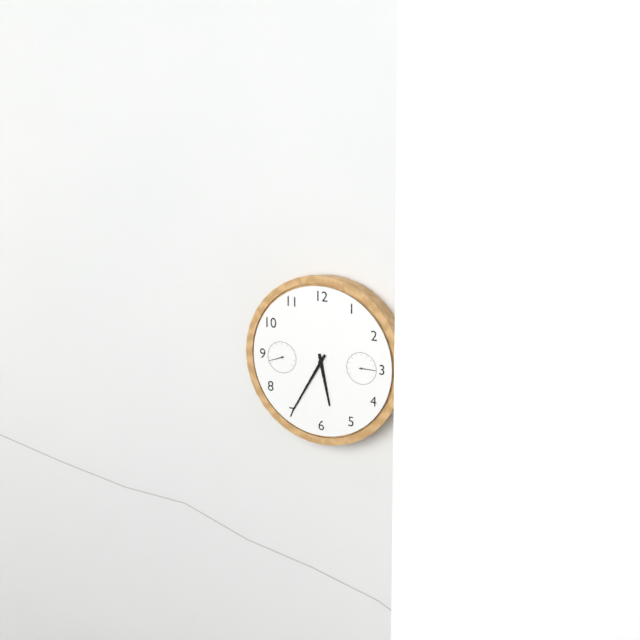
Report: 5:35
